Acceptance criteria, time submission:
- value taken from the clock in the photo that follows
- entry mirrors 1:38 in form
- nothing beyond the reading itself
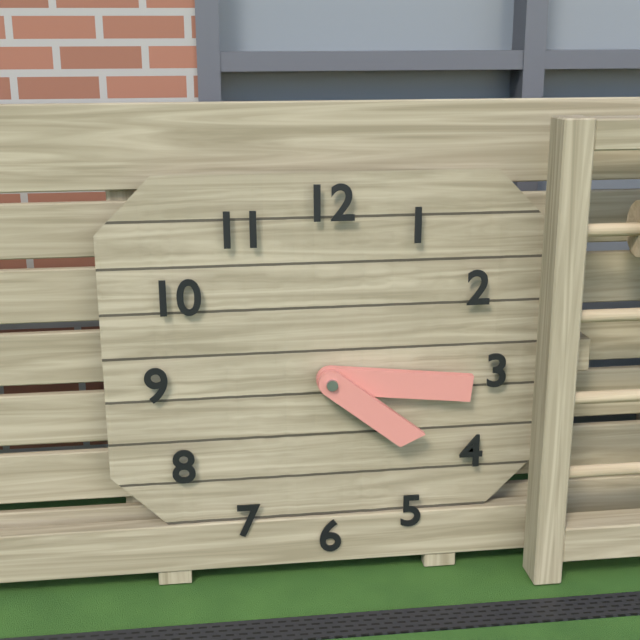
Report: 4:16
